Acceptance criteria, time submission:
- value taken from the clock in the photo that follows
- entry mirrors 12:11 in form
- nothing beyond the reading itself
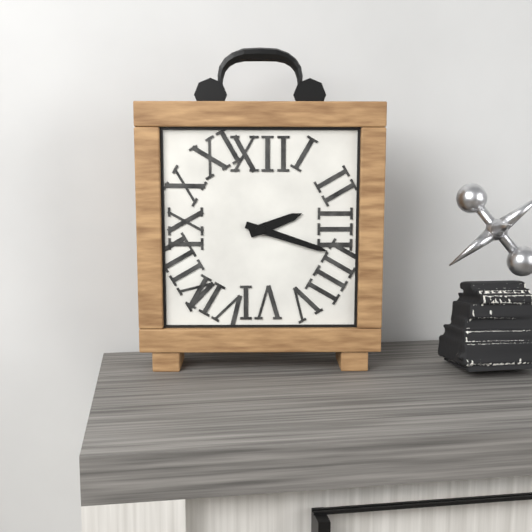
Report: 2:18
